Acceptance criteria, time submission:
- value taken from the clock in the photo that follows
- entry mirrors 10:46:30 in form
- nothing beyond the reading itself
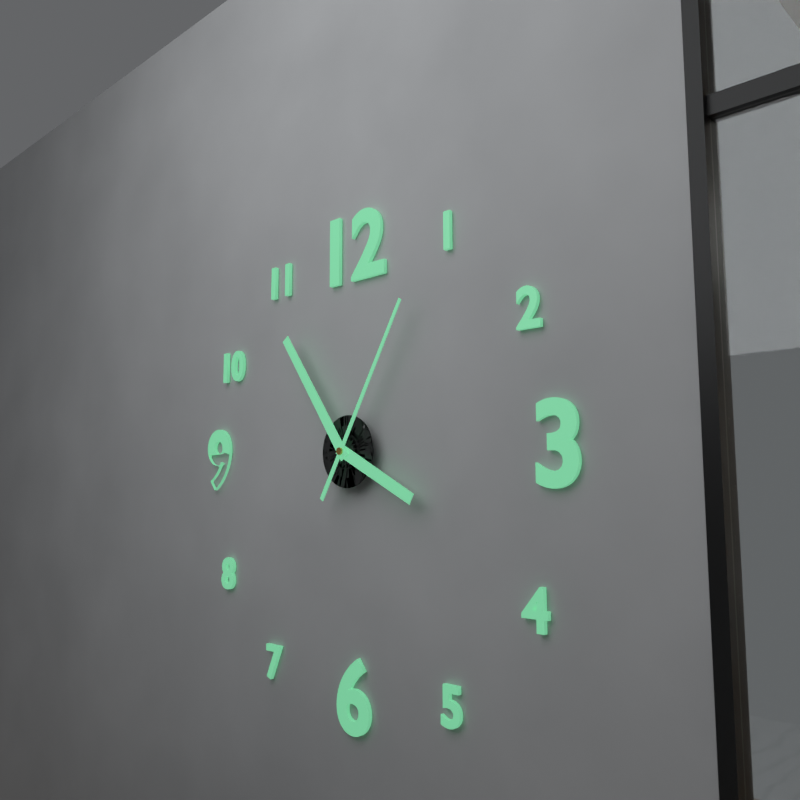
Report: 3:54:05
